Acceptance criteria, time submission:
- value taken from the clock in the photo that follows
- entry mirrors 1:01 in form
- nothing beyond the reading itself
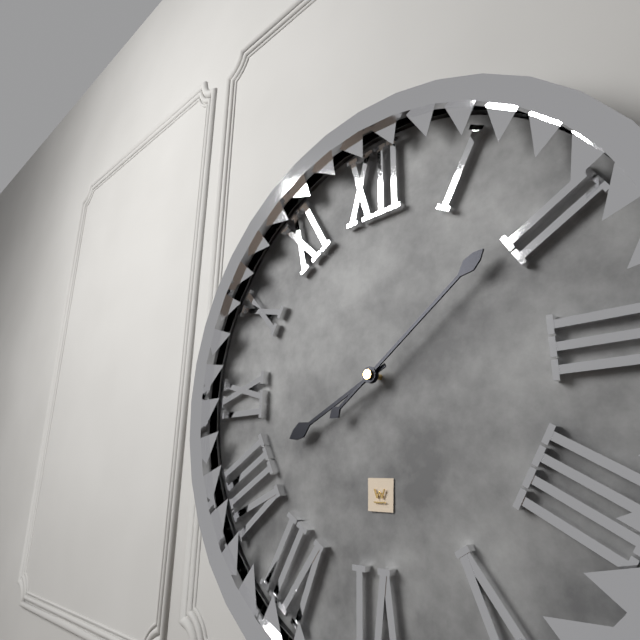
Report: 8:09
